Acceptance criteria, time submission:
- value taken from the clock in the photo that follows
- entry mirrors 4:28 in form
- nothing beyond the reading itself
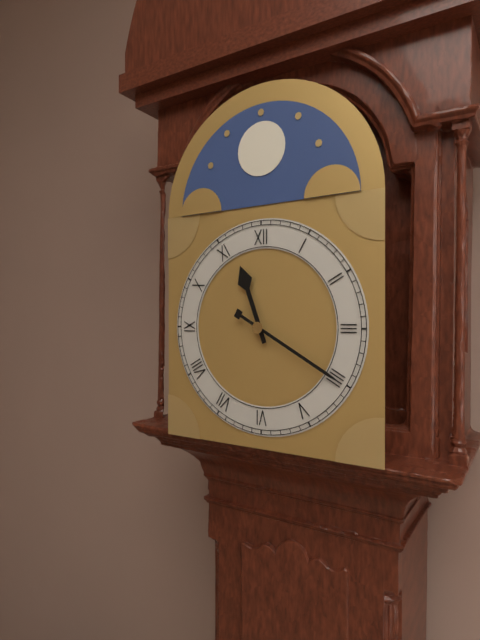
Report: 11:20
